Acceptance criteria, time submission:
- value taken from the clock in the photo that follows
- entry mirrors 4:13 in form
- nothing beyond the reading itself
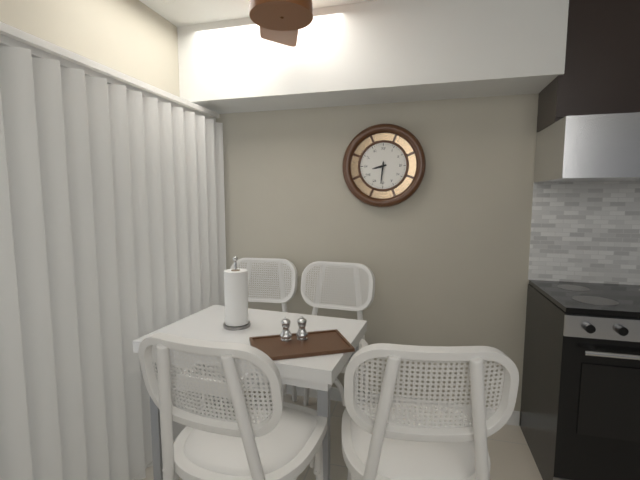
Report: 8:31
